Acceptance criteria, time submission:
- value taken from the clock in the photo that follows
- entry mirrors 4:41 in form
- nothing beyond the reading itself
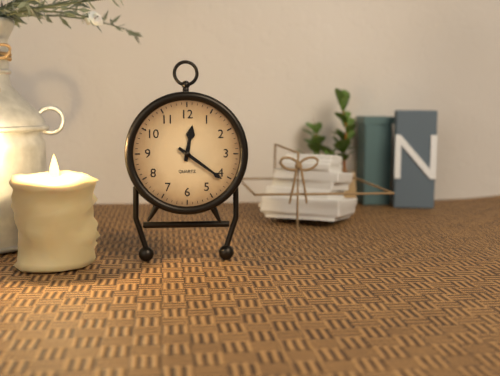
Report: 12:21
